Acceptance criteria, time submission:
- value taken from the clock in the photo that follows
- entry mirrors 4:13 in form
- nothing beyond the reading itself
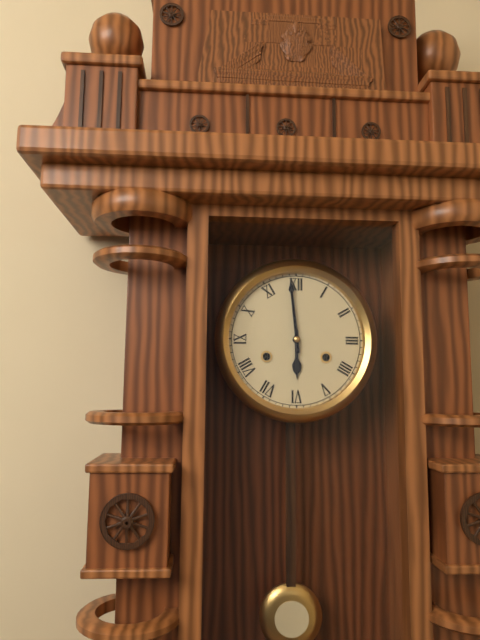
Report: 5:59
